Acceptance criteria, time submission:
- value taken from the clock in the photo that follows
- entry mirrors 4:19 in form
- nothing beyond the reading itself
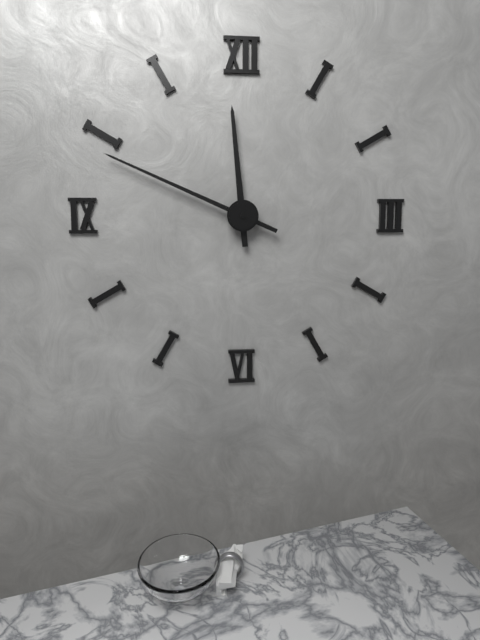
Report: 11:49
